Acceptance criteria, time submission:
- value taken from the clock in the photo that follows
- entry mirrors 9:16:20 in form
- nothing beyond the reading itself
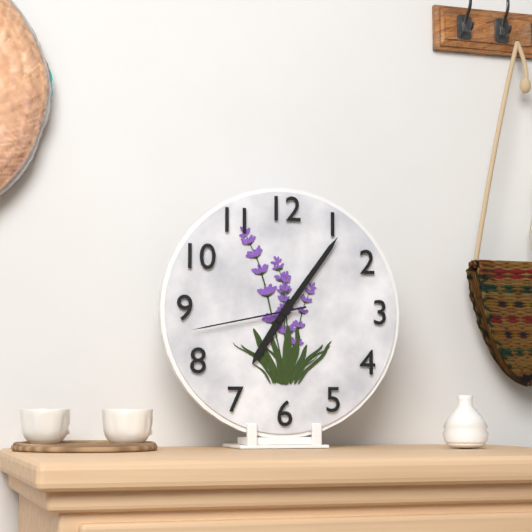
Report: 7:06:43
